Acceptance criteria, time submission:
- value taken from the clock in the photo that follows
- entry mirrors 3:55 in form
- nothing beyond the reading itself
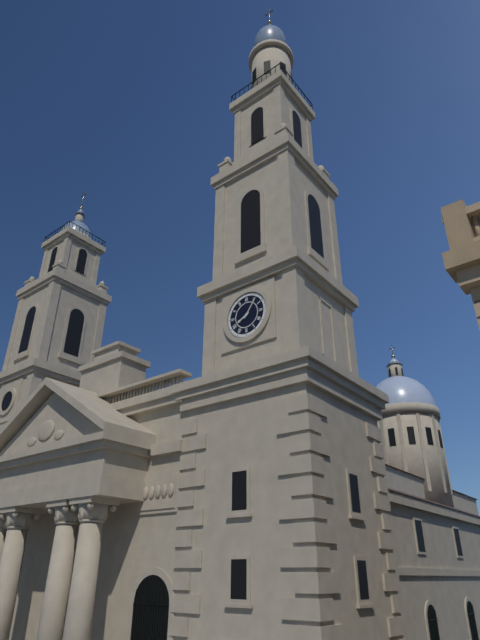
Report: 8:06
